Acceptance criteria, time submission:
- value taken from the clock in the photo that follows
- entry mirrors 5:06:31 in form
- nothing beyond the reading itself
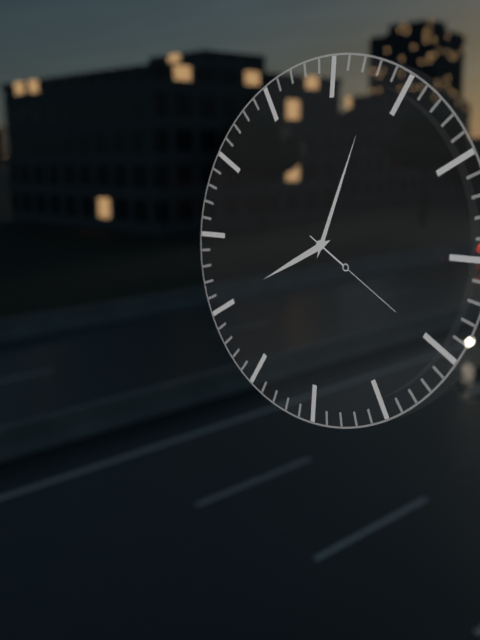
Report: 8:03:20
